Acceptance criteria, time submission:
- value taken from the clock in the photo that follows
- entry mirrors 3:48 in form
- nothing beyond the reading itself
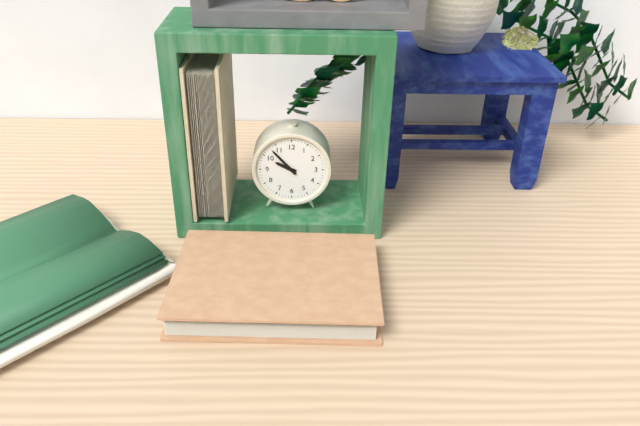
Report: 9:53
